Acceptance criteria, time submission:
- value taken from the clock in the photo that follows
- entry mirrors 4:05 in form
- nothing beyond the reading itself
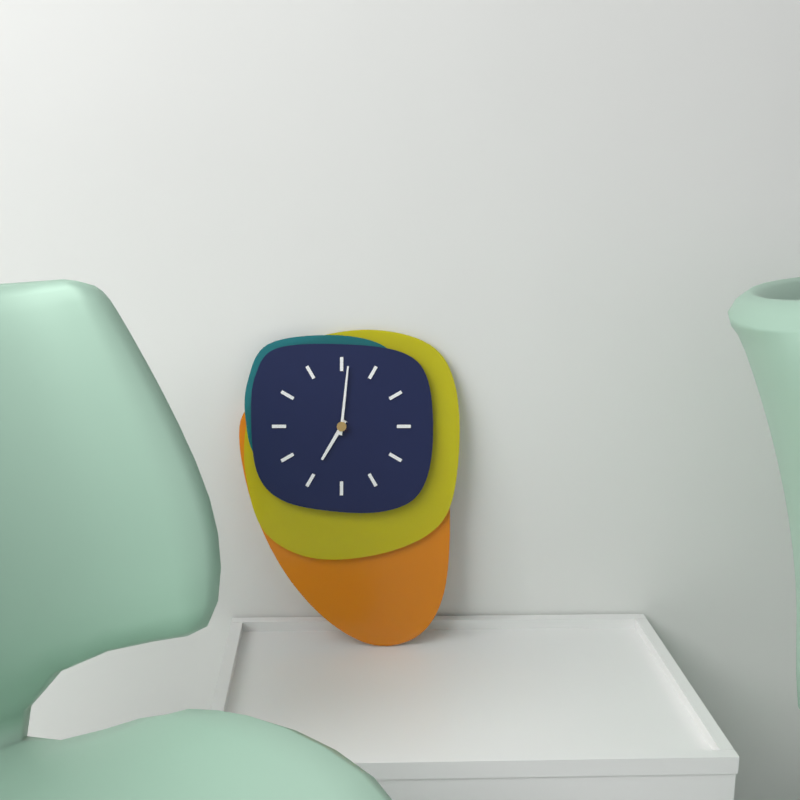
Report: 7:01
